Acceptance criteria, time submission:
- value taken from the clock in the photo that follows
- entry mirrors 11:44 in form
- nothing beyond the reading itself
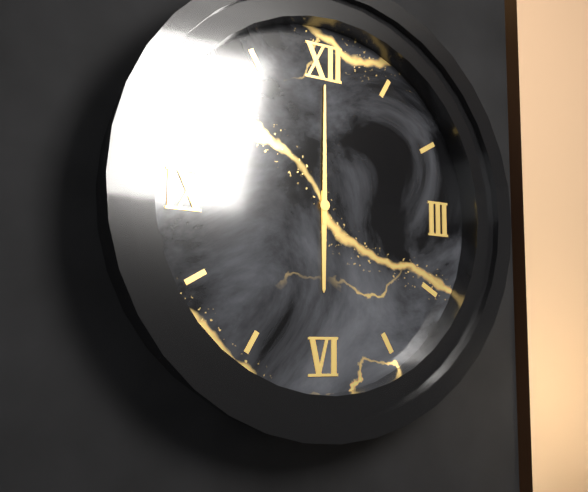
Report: 6:00
